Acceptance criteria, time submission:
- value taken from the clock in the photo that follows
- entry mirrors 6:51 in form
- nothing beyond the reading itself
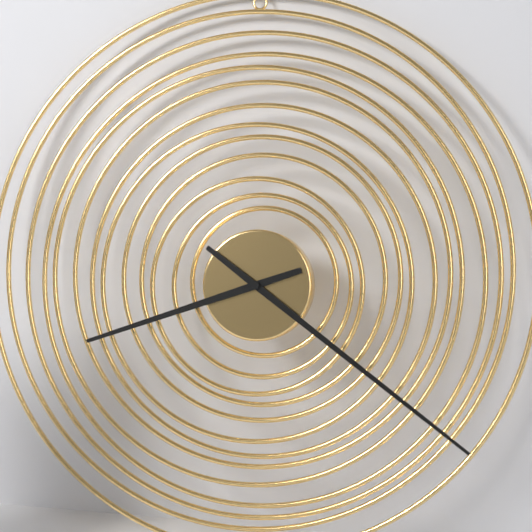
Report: 8:21
